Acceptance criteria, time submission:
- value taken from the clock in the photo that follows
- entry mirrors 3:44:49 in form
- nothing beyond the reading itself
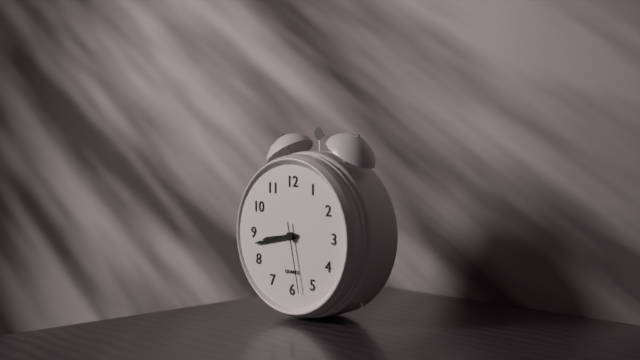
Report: 8:43:28
